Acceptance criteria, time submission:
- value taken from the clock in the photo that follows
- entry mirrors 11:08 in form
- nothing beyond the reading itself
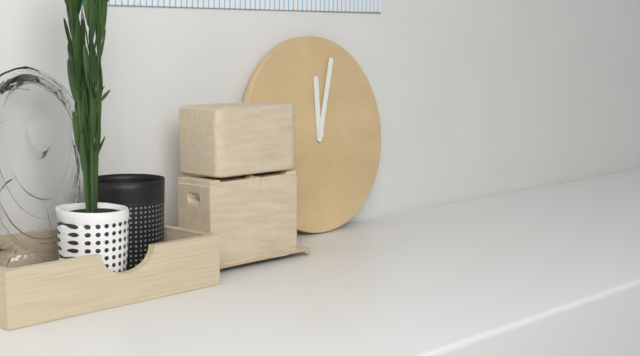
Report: 12:03
